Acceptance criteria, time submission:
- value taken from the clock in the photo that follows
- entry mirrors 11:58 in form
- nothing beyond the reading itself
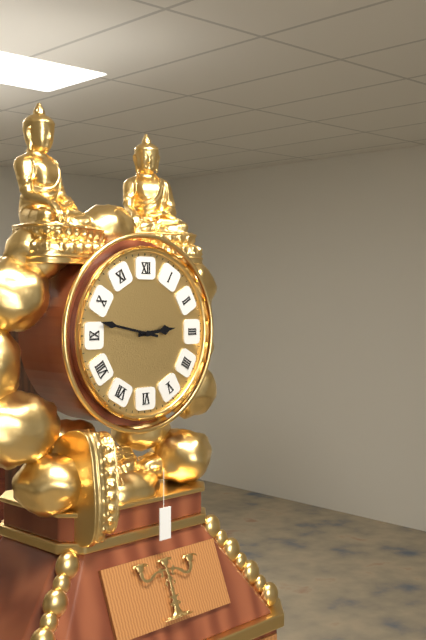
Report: 2:47
